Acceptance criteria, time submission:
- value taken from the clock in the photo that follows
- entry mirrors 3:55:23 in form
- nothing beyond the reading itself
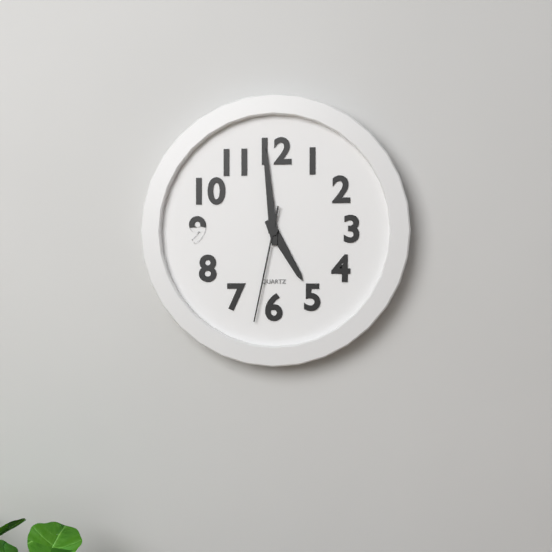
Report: 4:59:32
